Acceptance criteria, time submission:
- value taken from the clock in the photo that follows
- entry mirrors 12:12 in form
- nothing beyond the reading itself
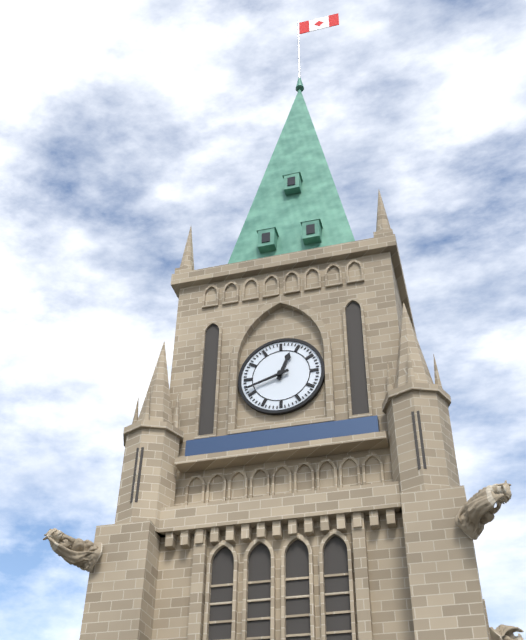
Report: 12:42
